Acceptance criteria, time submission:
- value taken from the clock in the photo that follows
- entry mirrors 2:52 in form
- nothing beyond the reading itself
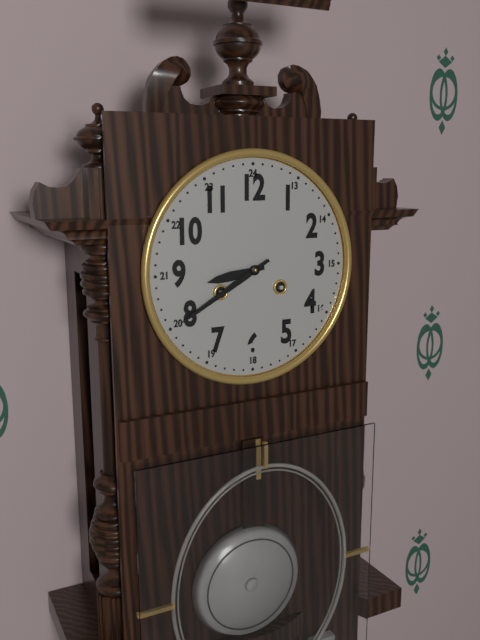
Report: 8:40
